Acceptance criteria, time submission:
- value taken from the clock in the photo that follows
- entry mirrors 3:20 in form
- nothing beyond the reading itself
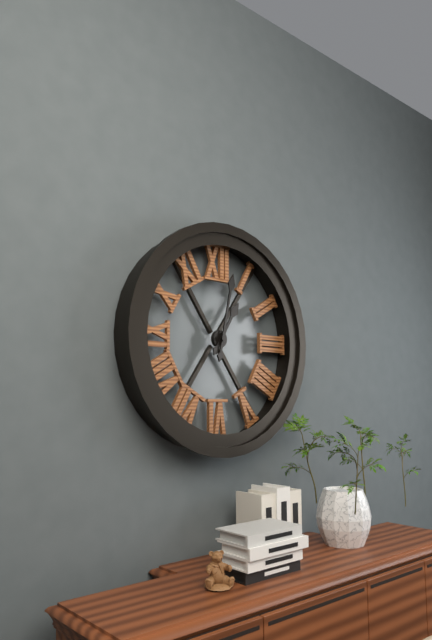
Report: 1:02
